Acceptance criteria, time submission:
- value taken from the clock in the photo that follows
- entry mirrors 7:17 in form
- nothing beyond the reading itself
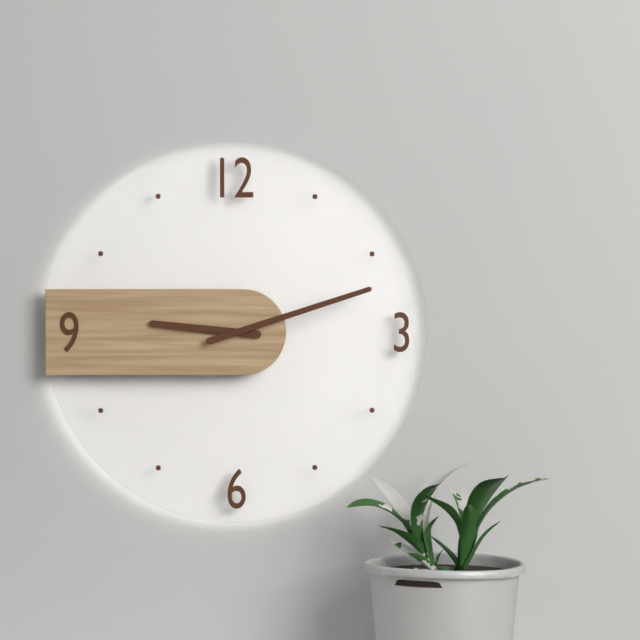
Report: 9:12
